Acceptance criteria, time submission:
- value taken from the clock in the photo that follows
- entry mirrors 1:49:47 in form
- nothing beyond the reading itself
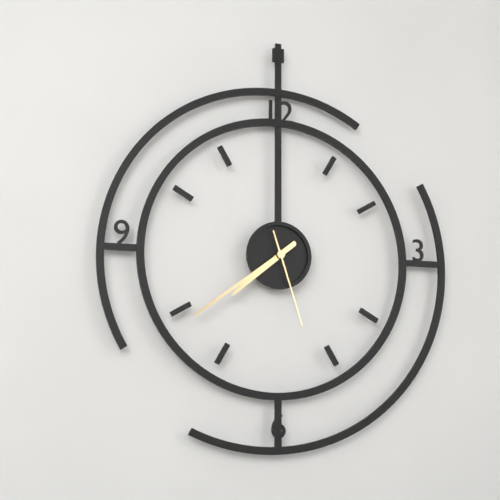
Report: 7:39:27
